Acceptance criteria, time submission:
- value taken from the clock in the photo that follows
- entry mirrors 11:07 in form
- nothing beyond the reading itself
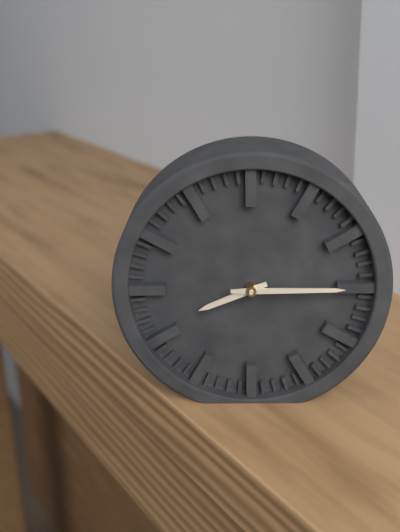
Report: 8:15
